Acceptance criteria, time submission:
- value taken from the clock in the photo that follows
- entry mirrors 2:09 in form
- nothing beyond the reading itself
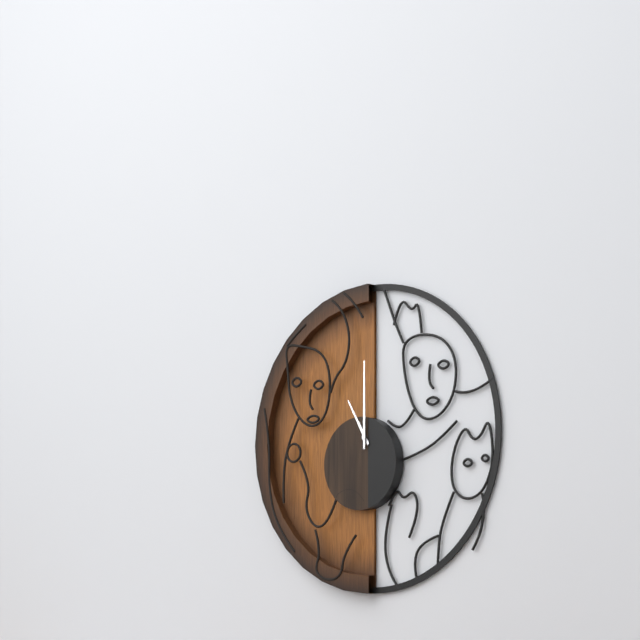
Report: 11:00
